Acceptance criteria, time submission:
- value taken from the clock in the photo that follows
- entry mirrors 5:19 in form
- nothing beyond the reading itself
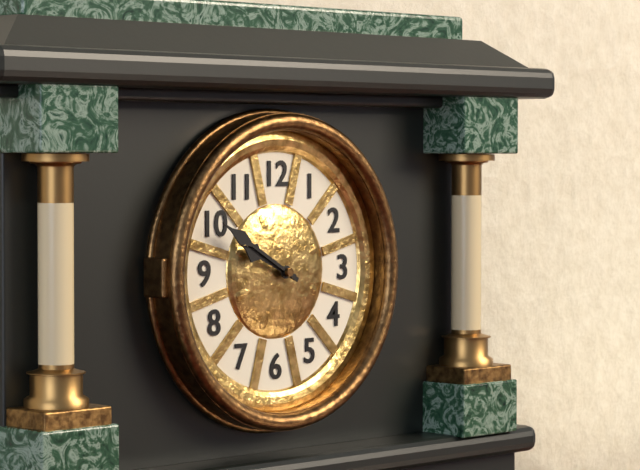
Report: 9:50
